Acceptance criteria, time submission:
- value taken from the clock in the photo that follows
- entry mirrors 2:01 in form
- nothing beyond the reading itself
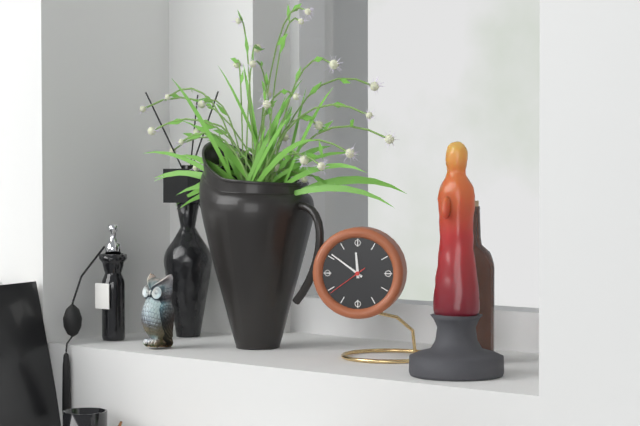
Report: 11:51
